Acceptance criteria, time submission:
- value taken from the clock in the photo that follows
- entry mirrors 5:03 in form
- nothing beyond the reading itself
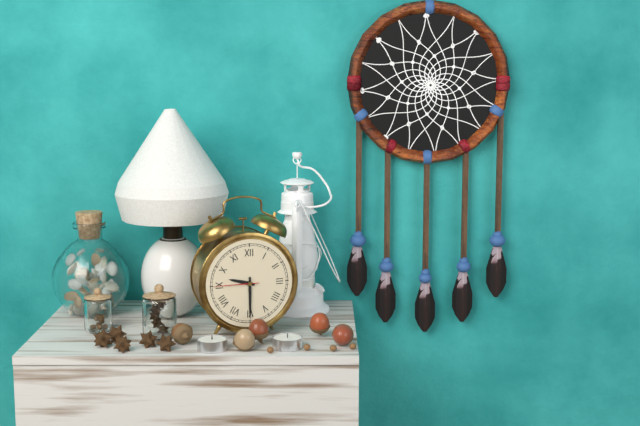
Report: 9:30
